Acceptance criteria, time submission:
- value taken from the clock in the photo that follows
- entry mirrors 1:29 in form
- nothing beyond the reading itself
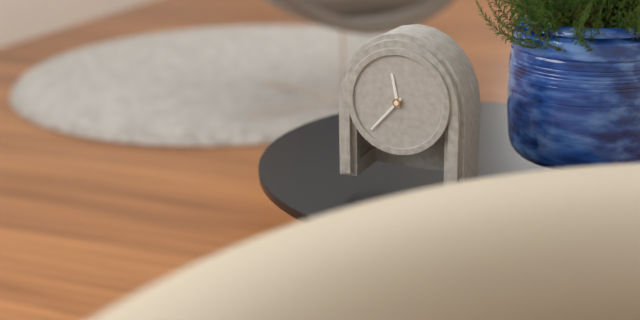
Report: 11:37
